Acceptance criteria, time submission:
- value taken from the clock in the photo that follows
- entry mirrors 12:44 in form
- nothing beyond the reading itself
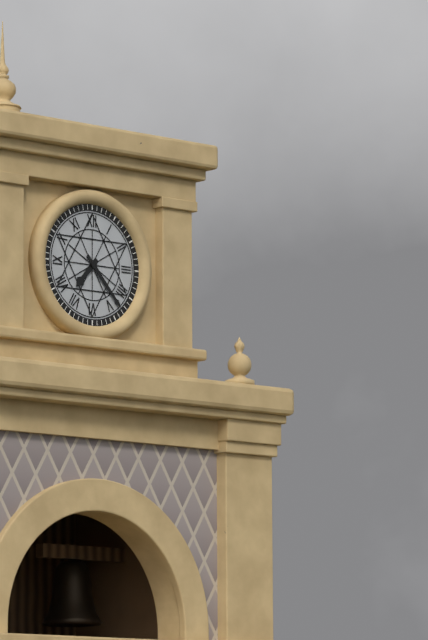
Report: 7:23
